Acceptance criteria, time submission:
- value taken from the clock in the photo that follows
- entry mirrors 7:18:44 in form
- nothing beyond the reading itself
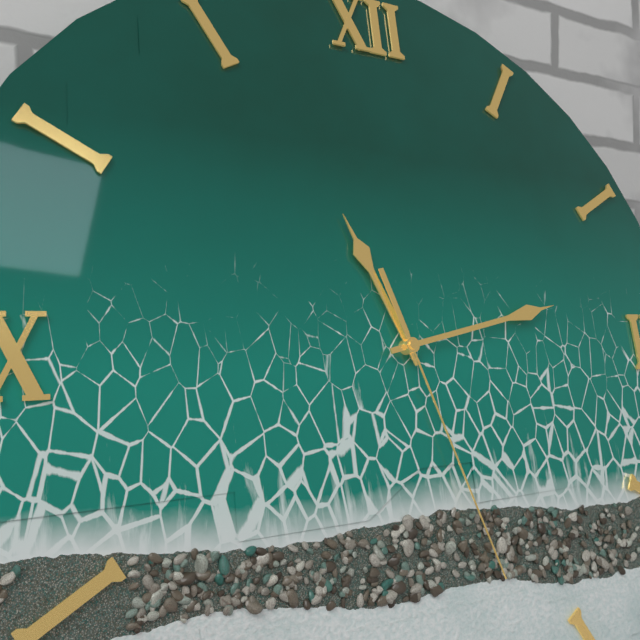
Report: 11:13:27
